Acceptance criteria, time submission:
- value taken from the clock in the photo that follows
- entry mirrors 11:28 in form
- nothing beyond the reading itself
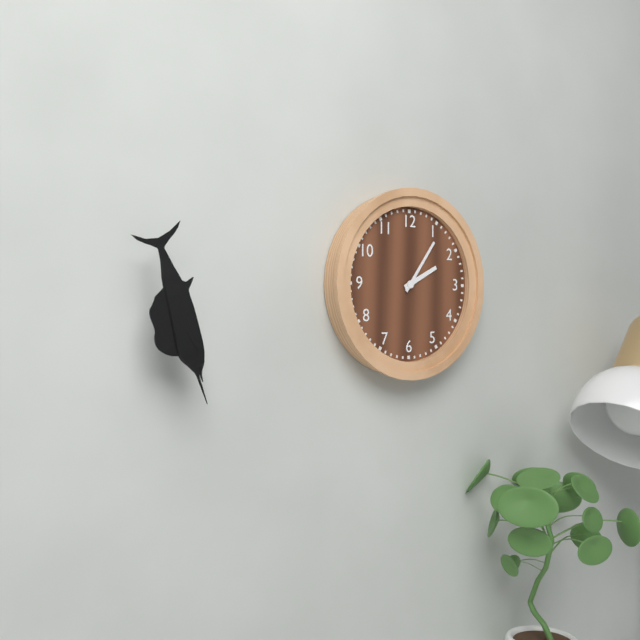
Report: 2:06
